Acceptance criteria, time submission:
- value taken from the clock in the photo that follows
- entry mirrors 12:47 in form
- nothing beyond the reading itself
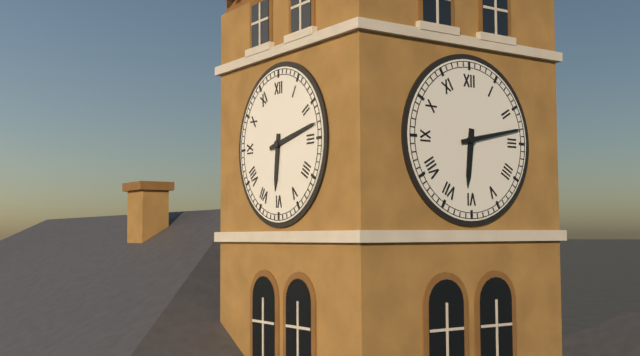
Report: 6:13
